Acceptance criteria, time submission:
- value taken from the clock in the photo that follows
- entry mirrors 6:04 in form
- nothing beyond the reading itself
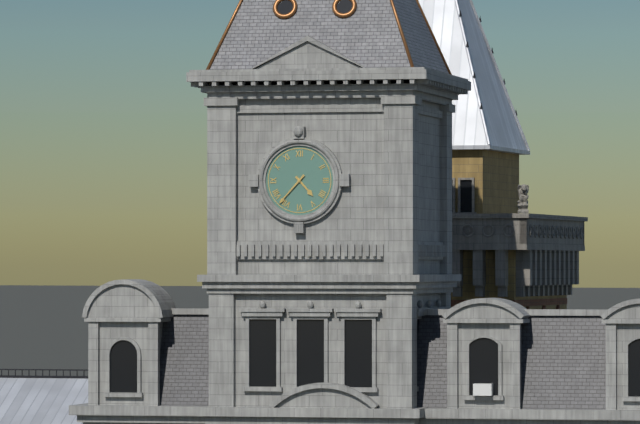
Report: 4:37
